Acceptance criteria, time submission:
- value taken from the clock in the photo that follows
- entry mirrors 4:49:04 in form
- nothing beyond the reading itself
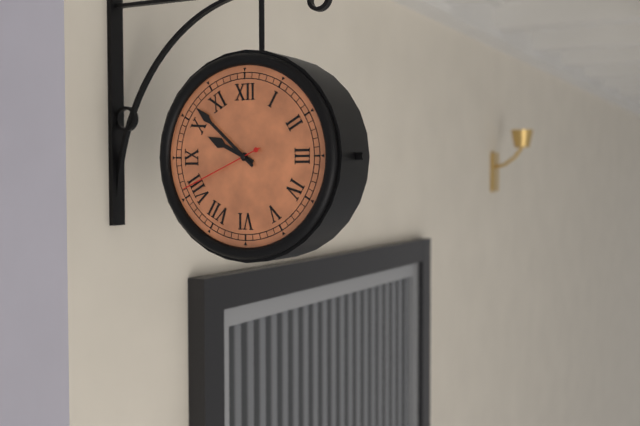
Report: 9:52:41
